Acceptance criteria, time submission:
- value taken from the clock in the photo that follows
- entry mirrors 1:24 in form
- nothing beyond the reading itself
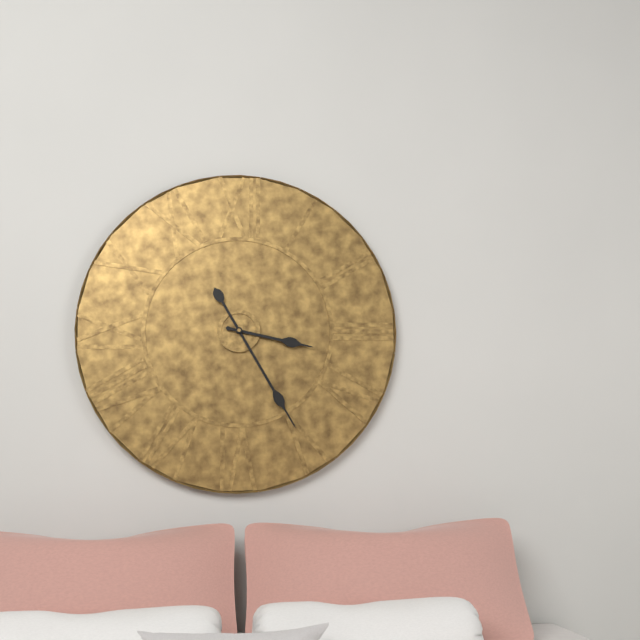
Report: 3:25
